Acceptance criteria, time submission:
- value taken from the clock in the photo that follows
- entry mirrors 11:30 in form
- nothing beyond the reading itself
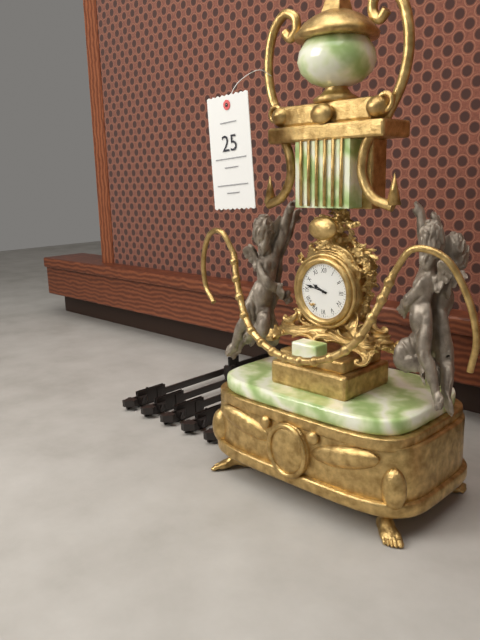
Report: 9:47
